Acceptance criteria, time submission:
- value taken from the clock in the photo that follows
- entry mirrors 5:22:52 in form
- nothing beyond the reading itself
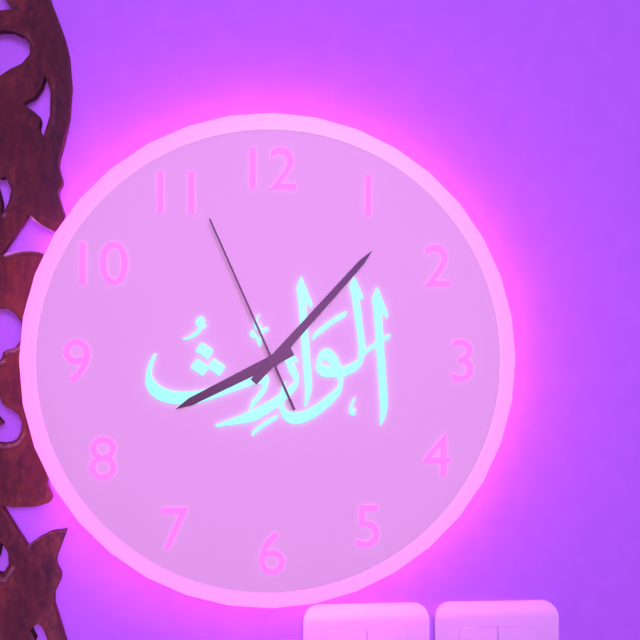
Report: 8:07:56
